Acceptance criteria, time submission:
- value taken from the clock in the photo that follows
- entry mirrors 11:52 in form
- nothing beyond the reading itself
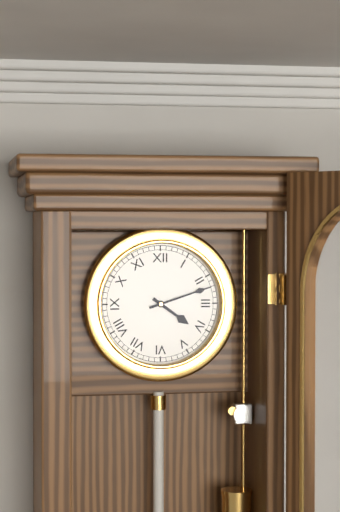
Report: 4:12
